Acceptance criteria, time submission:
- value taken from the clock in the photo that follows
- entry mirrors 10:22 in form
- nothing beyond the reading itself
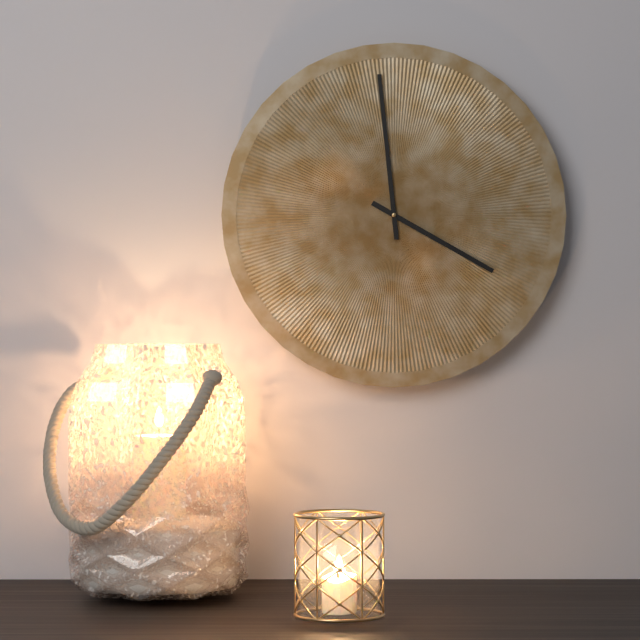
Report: 3:59
